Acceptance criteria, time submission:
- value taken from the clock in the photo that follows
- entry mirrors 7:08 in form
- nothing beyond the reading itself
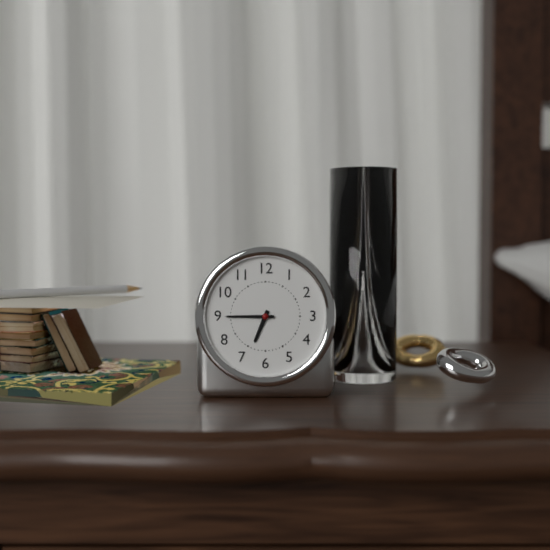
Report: 6:45
